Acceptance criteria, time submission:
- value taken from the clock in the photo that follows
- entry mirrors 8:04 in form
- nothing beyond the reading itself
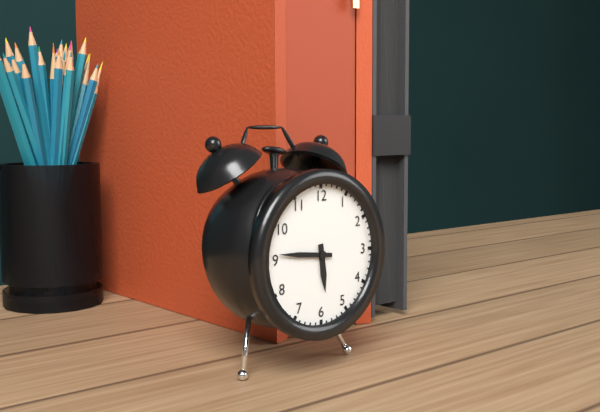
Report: 5:46
